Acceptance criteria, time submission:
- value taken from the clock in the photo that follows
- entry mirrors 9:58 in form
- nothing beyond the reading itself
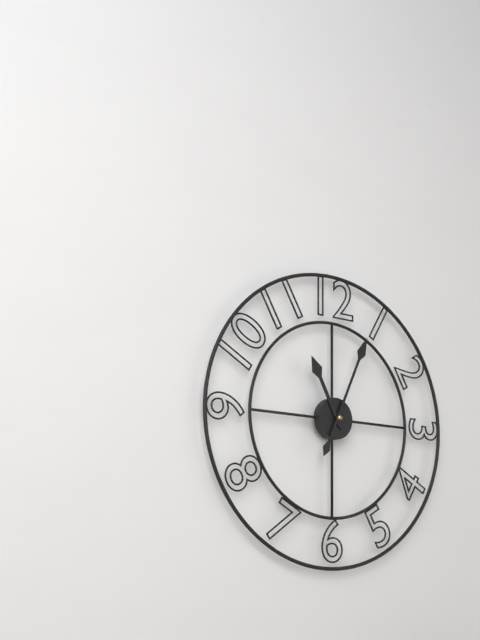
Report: 11:04
